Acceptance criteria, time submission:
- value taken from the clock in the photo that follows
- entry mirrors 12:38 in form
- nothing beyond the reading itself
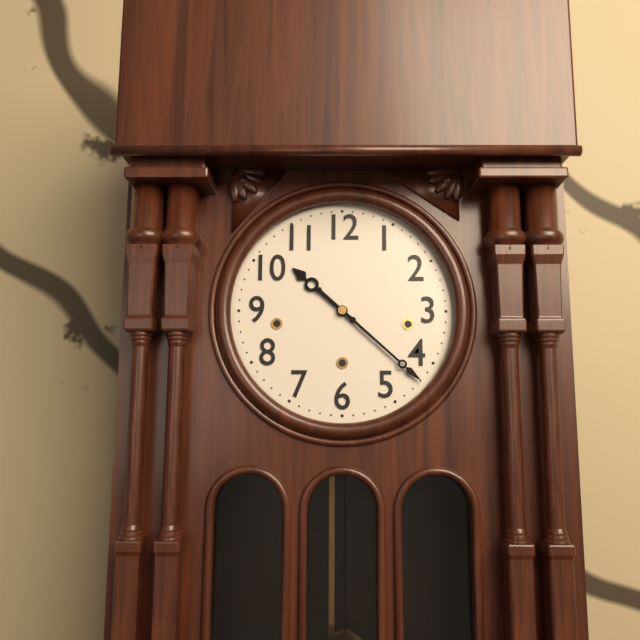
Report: 10:22
